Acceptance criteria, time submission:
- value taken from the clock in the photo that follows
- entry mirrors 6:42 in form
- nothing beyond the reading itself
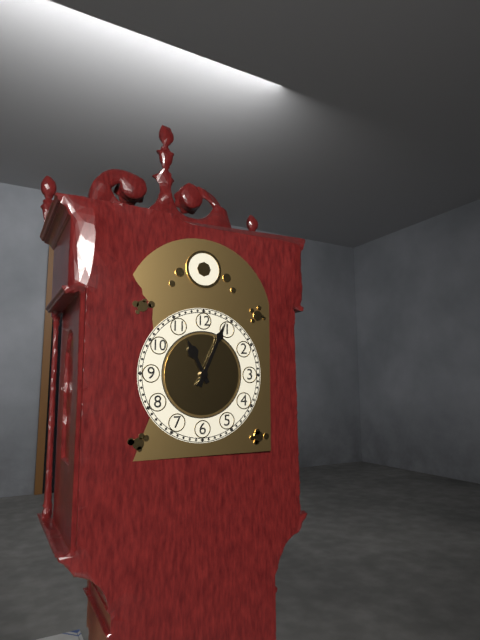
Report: 11:04
